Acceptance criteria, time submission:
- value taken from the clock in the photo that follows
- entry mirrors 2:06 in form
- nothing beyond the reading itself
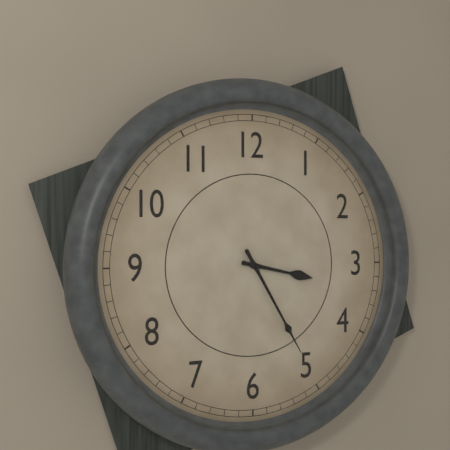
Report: 3:25
